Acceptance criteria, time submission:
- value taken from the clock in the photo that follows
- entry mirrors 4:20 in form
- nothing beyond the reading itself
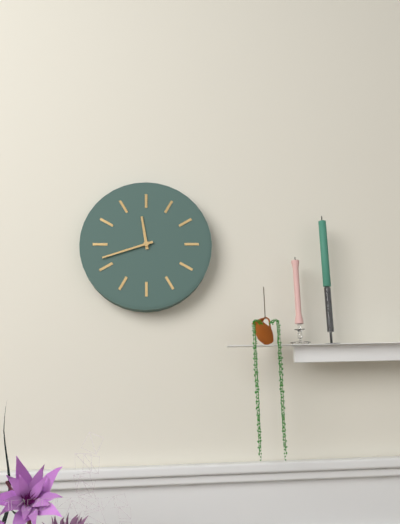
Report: 11:42
